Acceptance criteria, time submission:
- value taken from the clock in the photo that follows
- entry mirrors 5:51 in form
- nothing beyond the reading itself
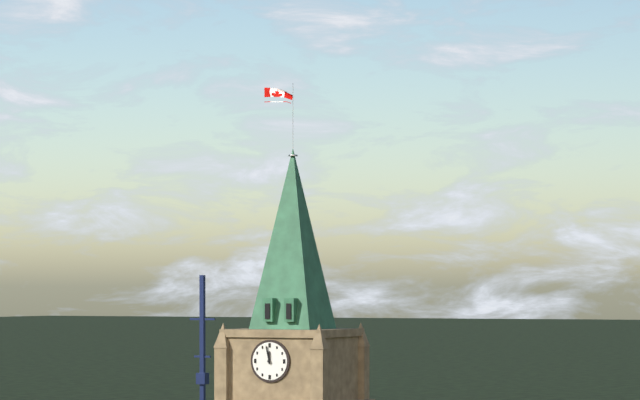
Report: 11:58
